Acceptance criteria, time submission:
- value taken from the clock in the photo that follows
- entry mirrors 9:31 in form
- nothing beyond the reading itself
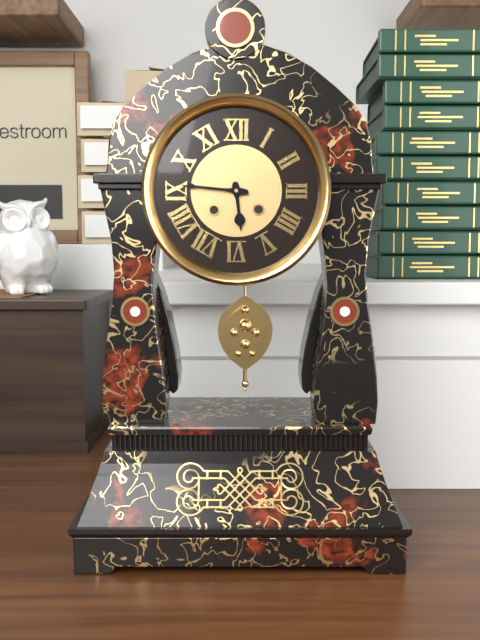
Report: 5:46
